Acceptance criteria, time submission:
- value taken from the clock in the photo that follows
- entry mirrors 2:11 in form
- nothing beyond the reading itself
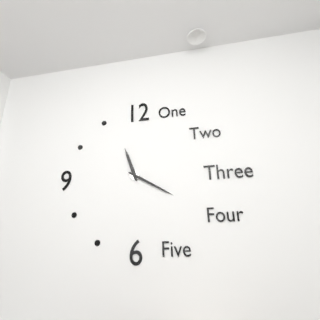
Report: 11:20
